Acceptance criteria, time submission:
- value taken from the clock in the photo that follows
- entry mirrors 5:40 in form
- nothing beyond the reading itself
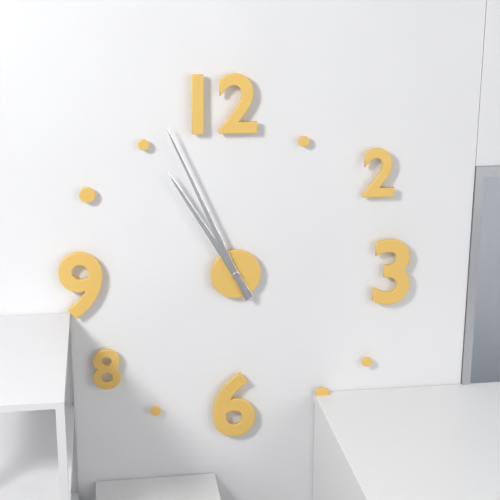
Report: 10:56
